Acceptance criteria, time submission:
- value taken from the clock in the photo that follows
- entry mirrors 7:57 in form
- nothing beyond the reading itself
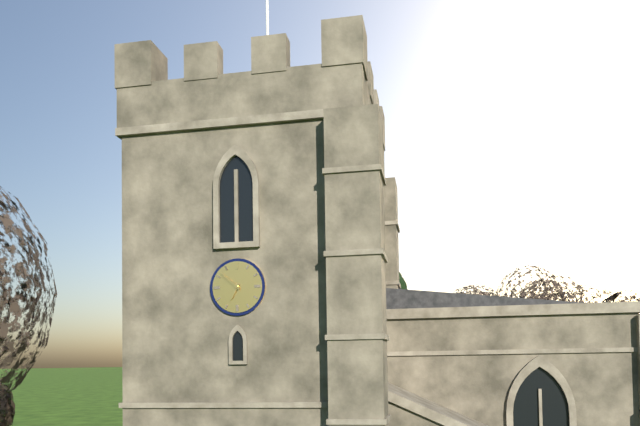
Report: 6:52
